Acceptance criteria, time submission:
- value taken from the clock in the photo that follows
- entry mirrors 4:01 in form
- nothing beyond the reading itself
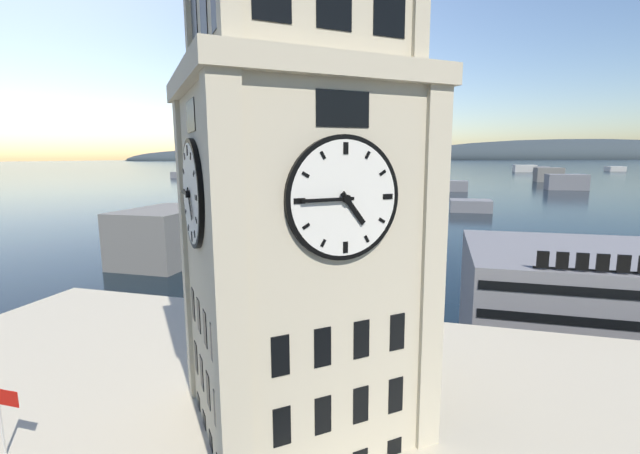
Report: 4:45
